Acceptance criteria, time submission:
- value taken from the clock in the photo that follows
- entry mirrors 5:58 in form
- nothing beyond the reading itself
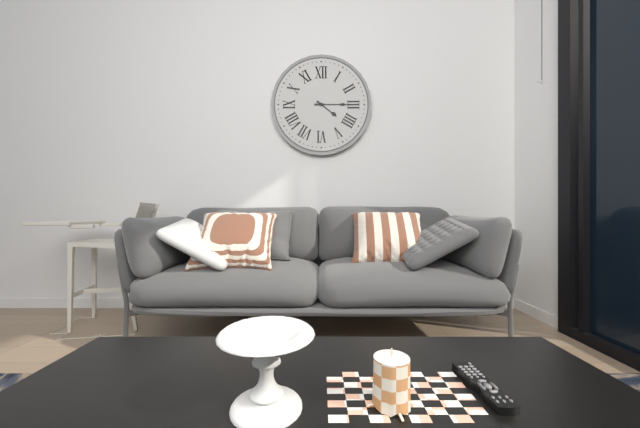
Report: 4:15
